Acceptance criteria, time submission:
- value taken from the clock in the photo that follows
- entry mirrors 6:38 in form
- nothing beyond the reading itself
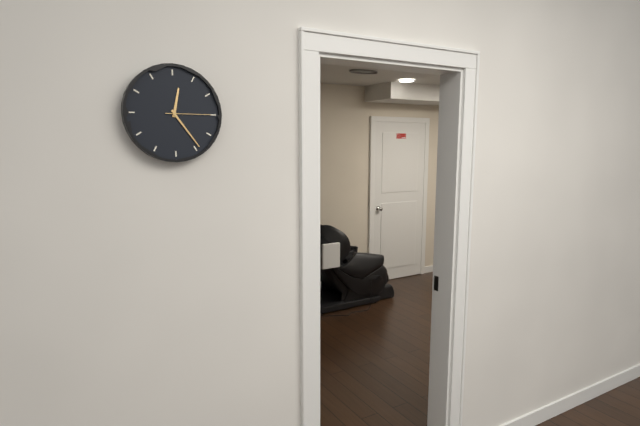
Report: 12:24
